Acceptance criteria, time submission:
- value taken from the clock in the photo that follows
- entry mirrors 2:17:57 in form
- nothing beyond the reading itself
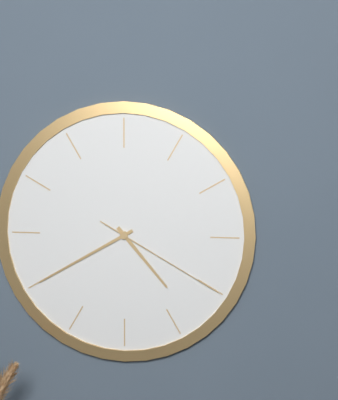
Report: 4:40:20
